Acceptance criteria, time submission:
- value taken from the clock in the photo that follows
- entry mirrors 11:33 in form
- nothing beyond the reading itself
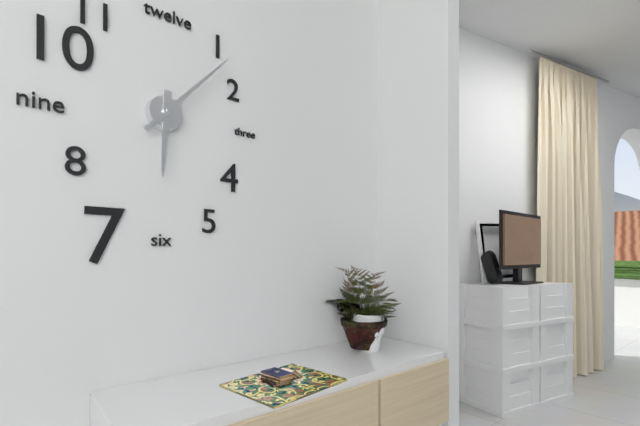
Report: 6:07
